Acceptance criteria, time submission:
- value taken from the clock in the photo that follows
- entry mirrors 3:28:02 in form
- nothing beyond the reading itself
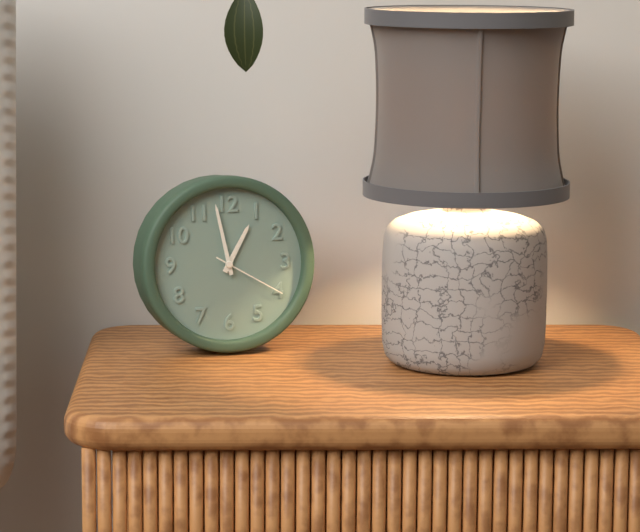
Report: 12:58:20
